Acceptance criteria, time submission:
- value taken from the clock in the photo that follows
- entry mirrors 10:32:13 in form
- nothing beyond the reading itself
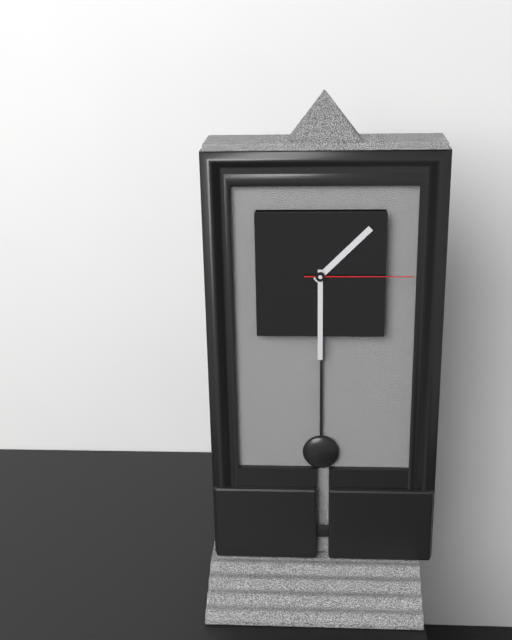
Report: 1:30:15
